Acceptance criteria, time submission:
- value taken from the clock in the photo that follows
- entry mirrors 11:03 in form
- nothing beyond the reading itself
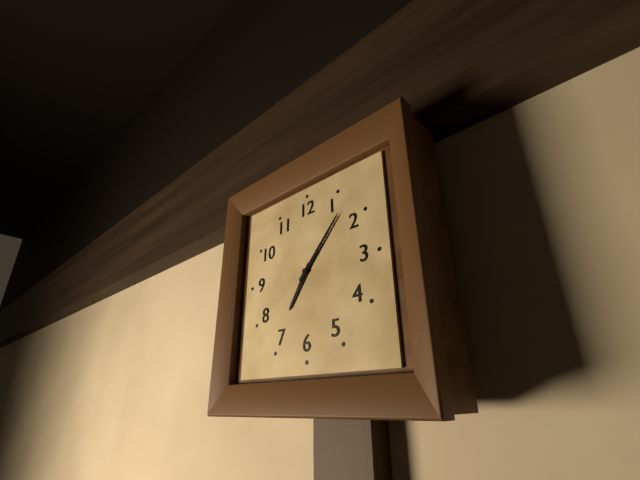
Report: 7:07
